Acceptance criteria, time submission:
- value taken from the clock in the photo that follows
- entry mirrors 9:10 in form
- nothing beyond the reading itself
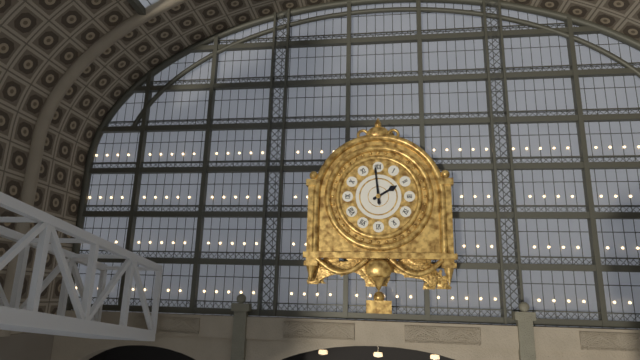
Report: 1:59
